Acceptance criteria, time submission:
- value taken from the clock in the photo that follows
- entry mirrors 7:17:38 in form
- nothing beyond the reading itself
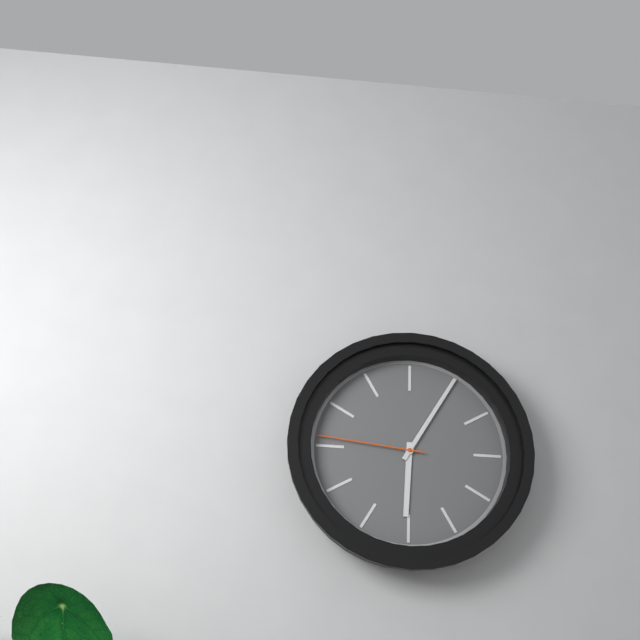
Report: 6:05:46
